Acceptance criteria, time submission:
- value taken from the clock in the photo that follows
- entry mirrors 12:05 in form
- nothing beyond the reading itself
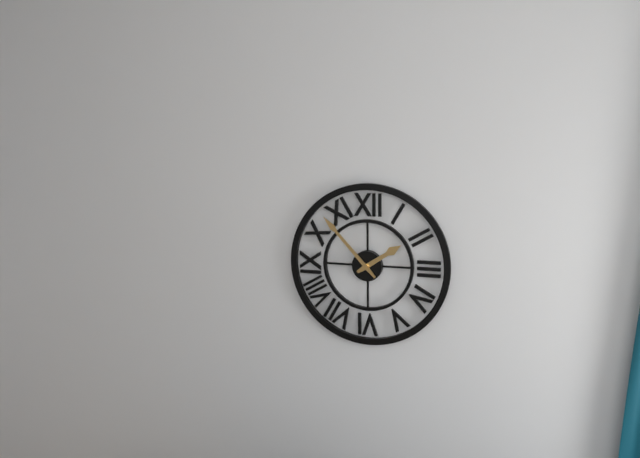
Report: 1:53
